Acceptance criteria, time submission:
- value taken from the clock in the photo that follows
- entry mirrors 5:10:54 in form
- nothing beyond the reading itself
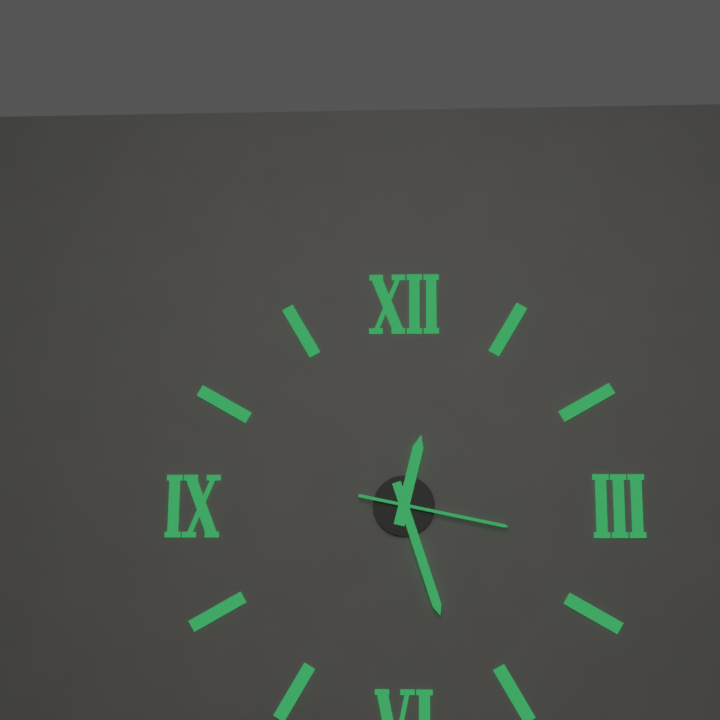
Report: 12:27:17
